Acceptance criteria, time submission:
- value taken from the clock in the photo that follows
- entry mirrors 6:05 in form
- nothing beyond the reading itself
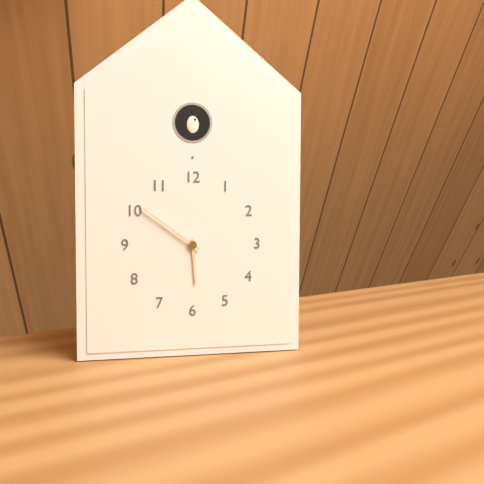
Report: 5:51
